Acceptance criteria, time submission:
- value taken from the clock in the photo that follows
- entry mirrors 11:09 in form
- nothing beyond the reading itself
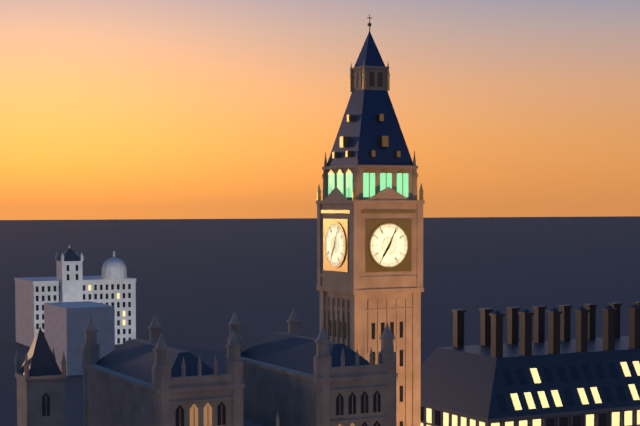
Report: 7:04
